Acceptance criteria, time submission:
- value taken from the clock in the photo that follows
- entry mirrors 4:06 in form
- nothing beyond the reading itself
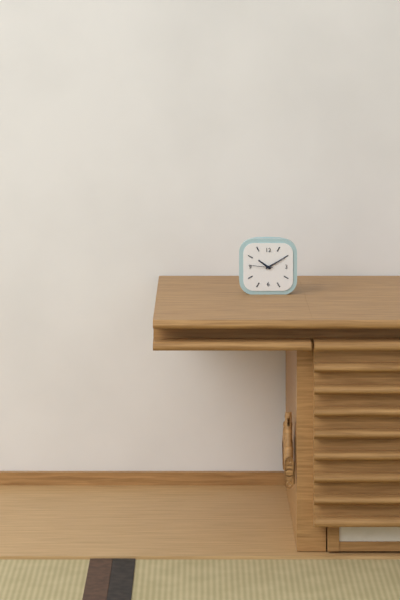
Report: 10:10
